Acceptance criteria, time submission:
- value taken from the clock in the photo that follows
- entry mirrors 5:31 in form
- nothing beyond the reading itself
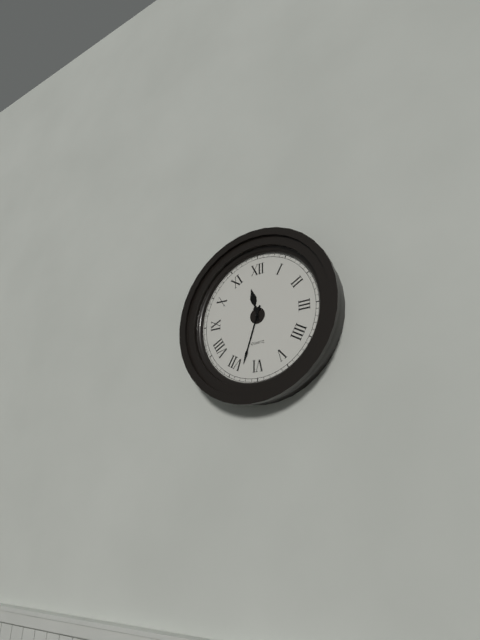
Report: 11:33
